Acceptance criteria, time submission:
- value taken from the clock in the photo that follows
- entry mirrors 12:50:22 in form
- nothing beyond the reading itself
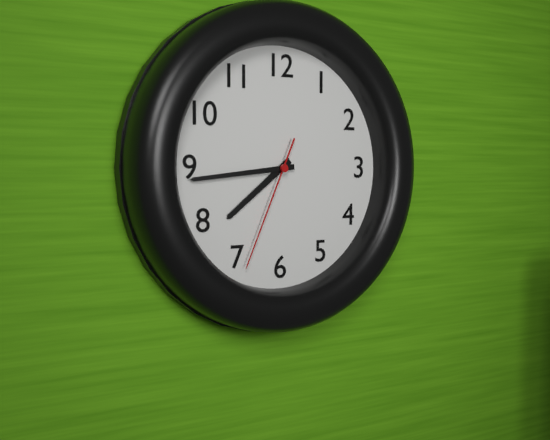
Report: 7:44:34
